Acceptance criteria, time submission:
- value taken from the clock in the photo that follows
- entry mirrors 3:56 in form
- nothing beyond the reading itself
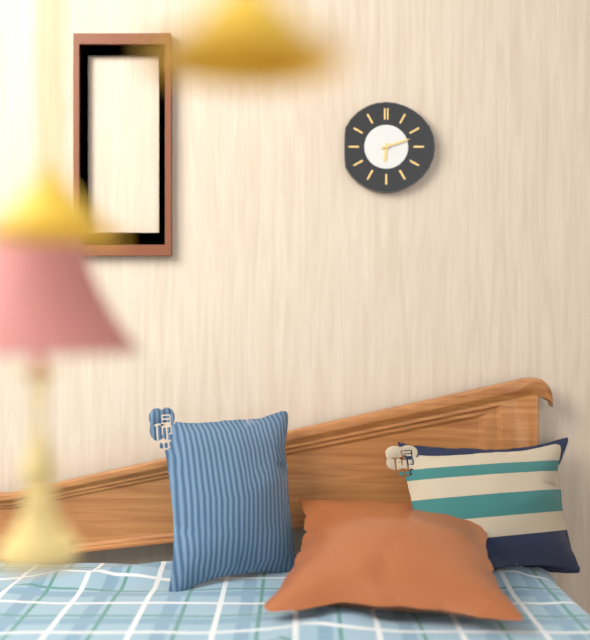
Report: 6:12
